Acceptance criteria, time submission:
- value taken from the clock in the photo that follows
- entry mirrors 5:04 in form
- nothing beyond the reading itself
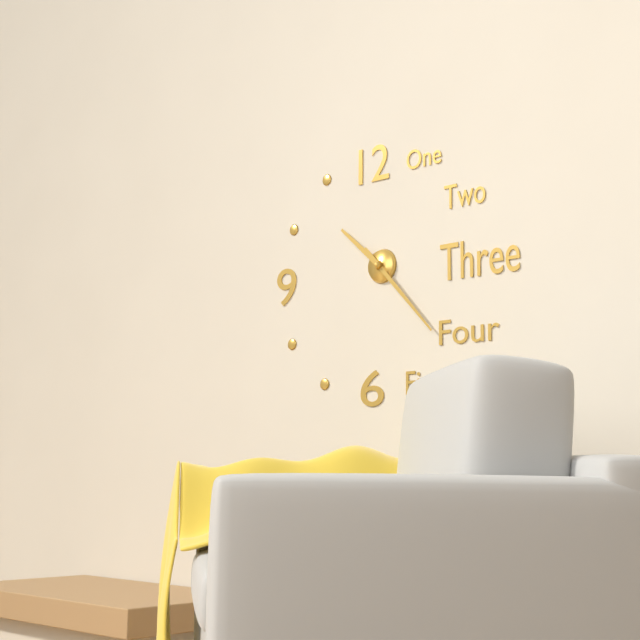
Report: 10:23
